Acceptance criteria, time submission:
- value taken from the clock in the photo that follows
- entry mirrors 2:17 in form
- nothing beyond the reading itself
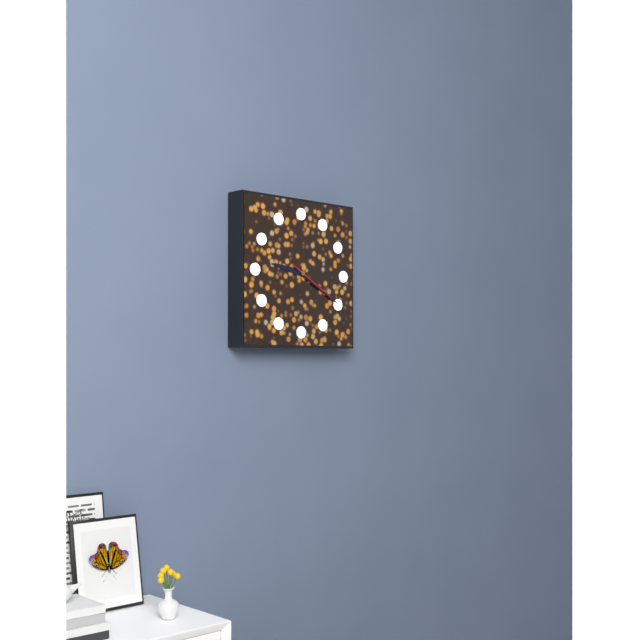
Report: 9:20
